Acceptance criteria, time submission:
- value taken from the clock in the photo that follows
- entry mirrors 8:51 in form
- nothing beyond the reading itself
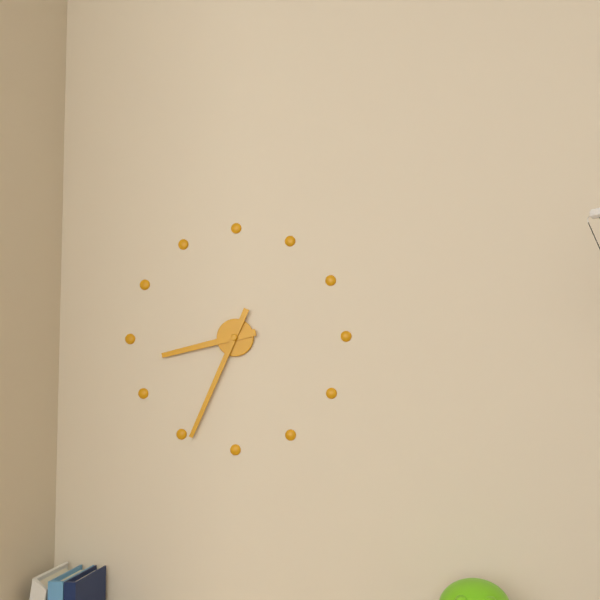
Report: 8:34
